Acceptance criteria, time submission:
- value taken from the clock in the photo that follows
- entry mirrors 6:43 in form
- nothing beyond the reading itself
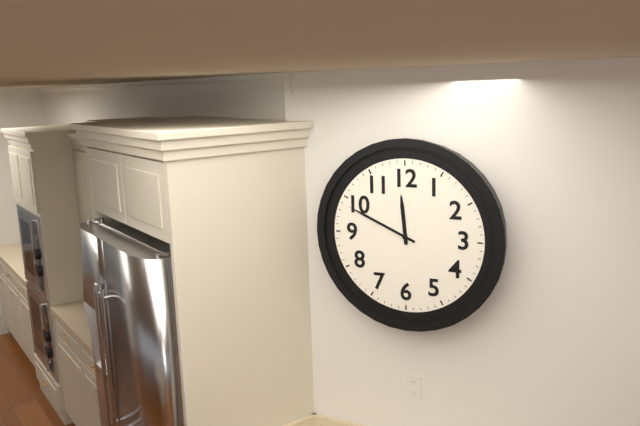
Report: 11:49
